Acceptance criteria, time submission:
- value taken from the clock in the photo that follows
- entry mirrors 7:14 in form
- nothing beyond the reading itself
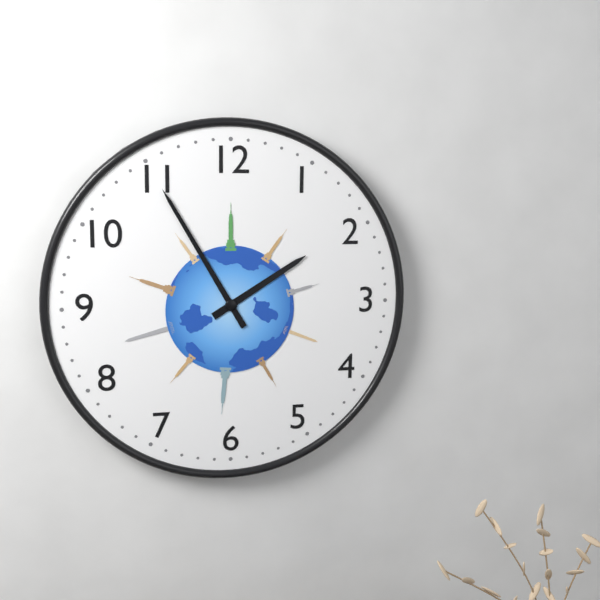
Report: 1:55
